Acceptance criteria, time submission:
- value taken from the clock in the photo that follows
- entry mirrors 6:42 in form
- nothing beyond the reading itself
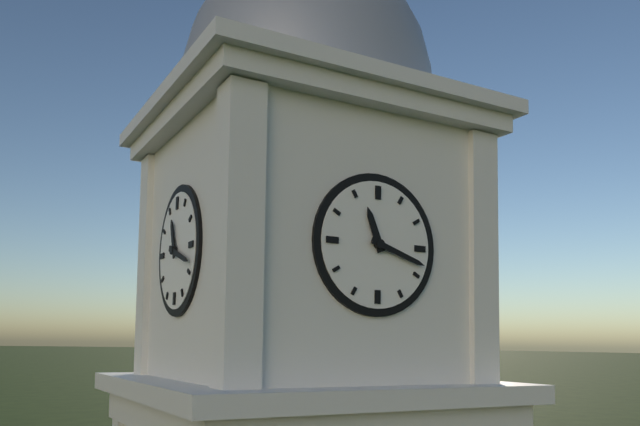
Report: 11:18
